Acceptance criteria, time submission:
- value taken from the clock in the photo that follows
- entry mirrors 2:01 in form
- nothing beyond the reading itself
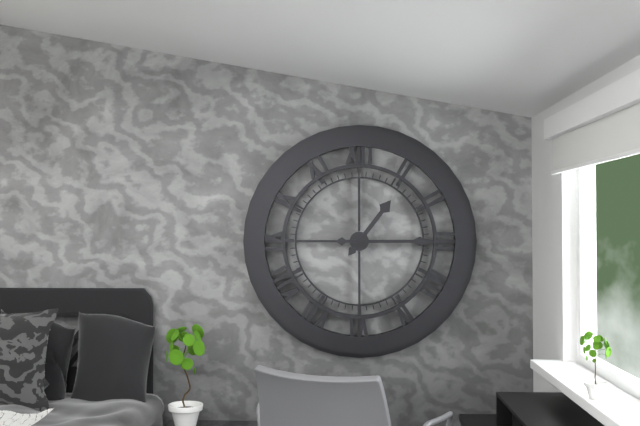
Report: 1:15
